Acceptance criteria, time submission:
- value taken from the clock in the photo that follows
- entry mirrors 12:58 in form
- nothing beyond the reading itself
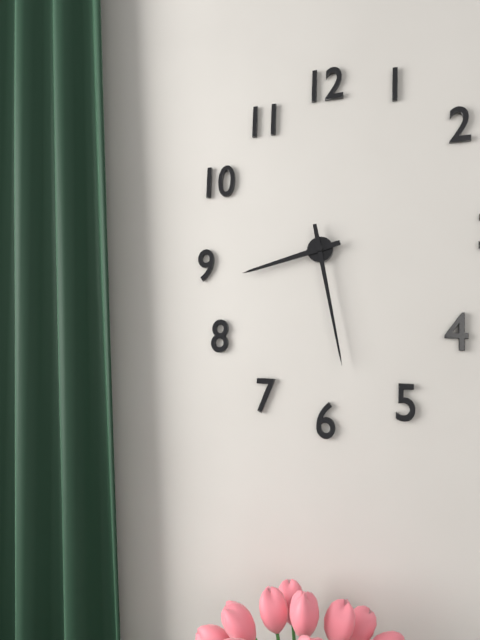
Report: 8:28
